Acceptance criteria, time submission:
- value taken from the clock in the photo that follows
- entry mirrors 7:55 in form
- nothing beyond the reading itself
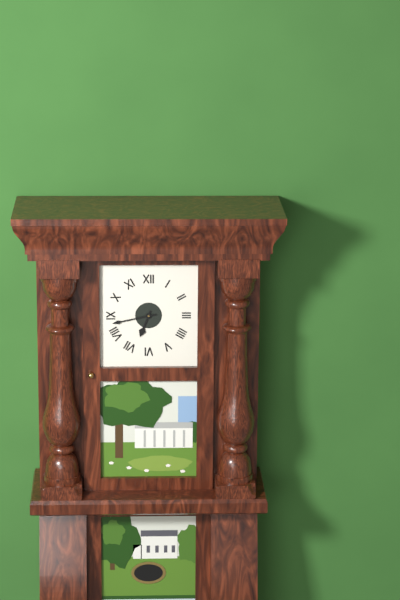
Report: 6:43
